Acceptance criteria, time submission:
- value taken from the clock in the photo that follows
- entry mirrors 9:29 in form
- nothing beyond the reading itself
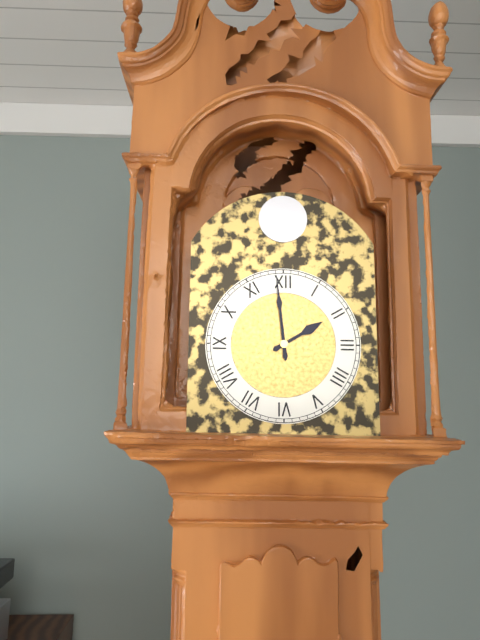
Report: 1:59
